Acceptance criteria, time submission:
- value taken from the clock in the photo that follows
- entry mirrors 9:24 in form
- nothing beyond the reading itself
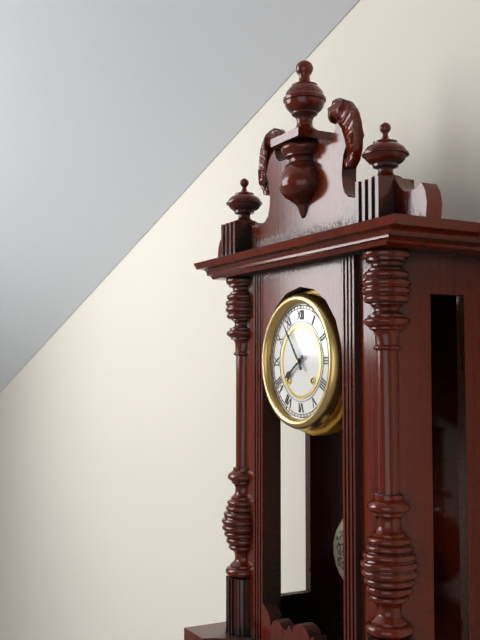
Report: 7:54
